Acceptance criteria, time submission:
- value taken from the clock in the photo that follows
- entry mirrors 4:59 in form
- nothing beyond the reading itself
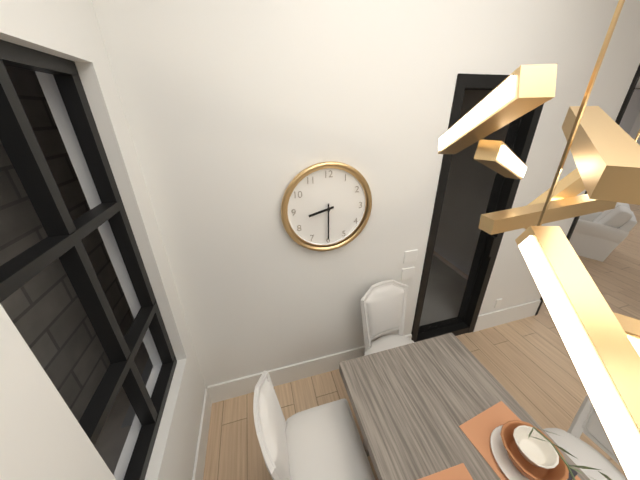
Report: 8:30
